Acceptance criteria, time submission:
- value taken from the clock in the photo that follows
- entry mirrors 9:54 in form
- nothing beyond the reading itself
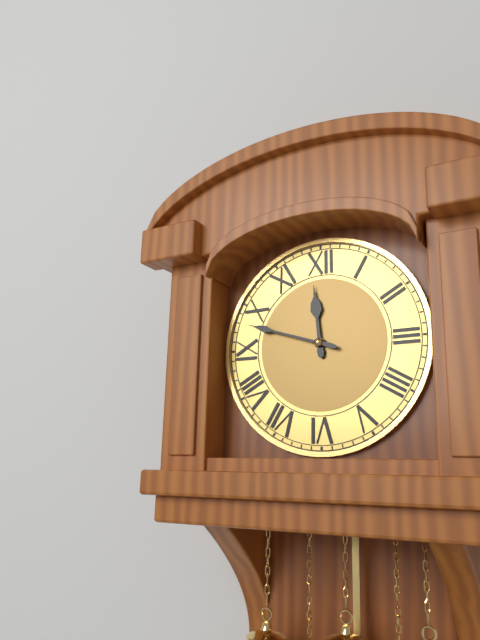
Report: 11:48
